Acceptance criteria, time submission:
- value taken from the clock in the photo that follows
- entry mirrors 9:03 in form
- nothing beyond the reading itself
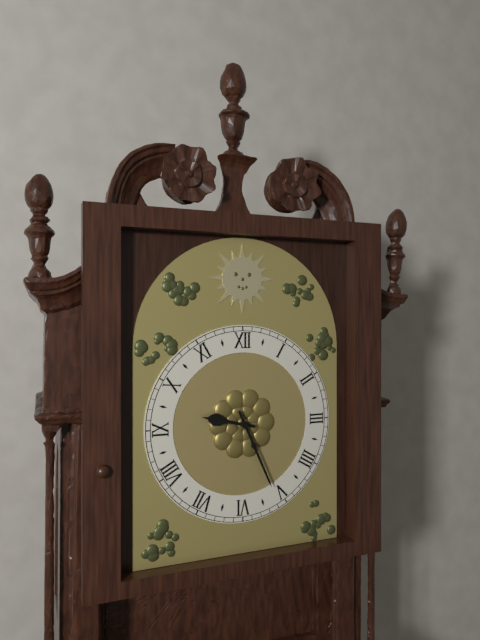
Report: 9:26
